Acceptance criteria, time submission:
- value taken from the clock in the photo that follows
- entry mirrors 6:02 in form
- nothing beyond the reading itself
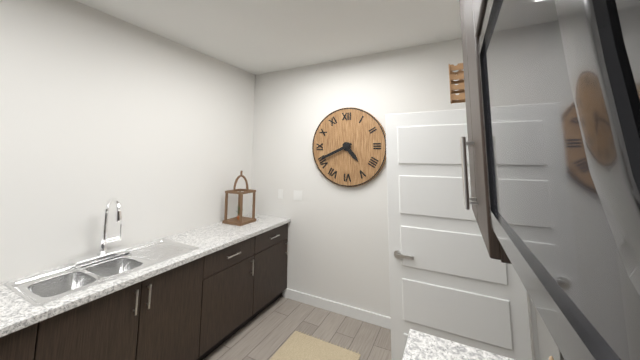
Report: 4:41
